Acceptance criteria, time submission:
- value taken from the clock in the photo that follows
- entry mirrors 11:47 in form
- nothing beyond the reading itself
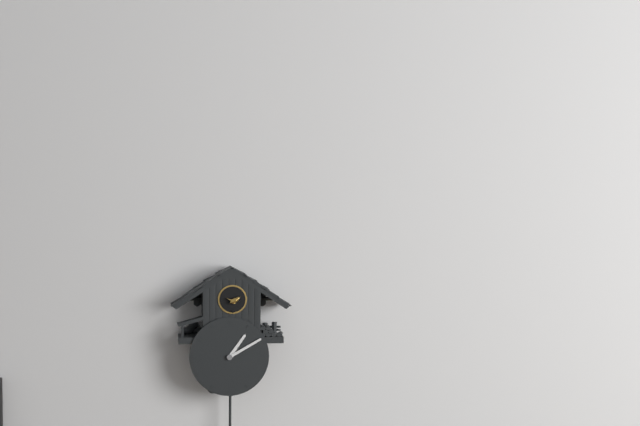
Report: 1:10
